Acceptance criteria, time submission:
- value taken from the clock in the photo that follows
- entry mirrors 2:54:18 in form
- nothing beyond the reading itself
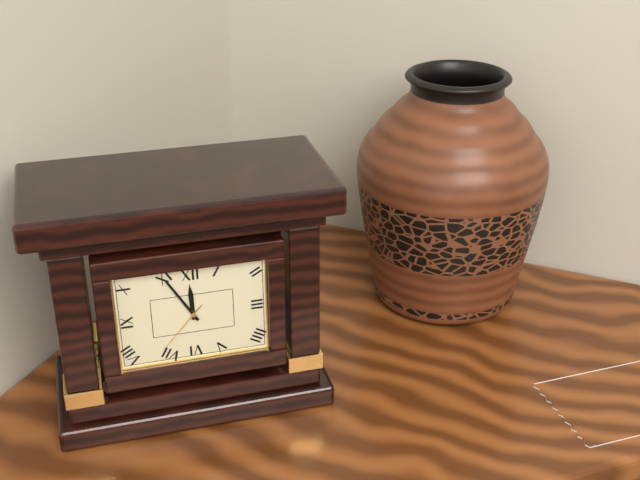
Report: 11:55:37
